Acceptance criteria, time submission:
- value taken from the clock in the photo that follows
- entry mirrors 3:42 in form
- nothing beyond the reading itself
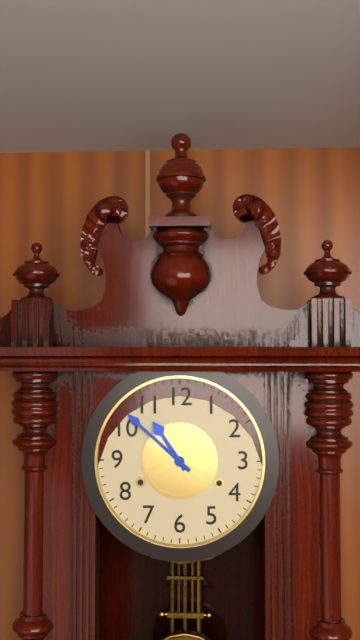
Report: 10:52
